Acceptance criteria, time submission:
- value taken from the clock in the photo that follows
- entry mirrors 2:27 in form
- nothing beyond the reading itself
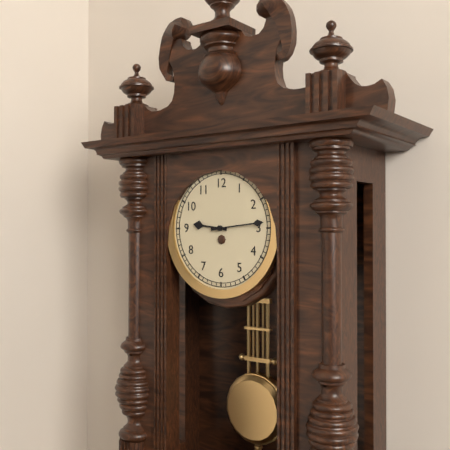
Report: 9:14
